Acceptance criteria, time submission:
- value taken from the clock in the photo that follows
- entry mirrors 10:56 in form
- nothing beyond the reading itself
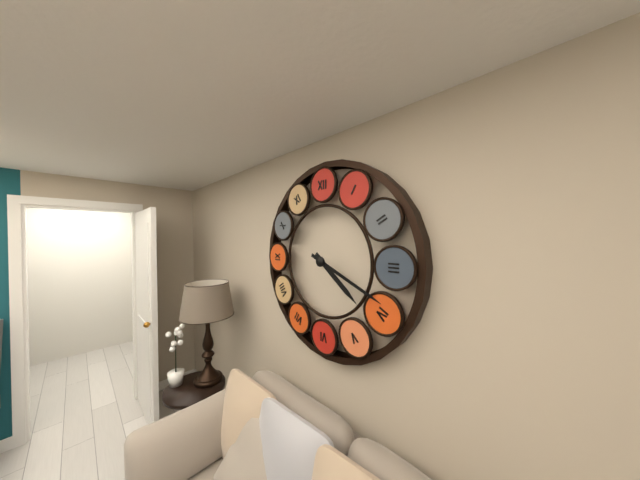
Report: 4:19
